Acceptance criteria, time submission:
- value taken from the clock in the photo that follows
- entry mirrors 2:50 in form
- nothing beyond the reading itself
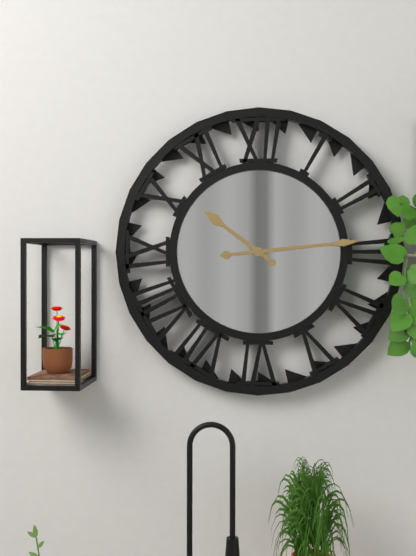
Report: 10:14
